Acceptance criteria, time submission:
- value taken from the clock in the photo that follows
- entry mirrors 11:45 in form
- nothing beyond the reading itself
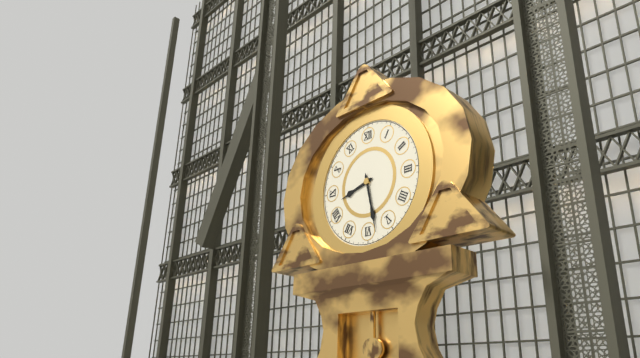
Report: 8:28
